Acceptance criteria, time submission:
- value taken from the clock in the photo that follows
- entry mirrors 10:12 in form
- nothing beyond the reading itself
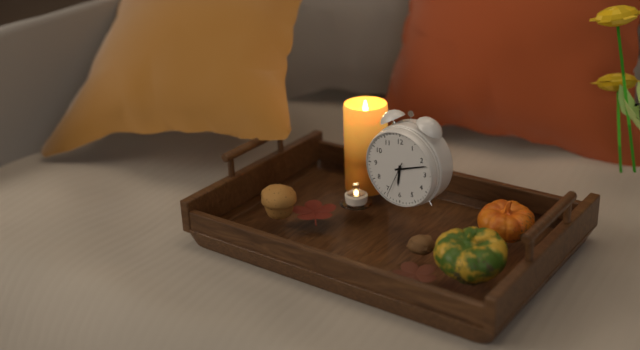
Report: 6:12
